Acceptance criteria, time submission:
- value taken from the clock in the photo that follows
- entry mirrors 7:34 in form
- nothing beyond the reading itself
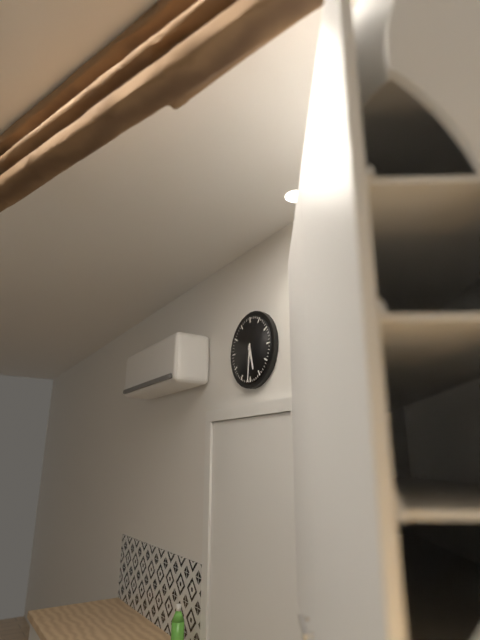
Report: 5:31
